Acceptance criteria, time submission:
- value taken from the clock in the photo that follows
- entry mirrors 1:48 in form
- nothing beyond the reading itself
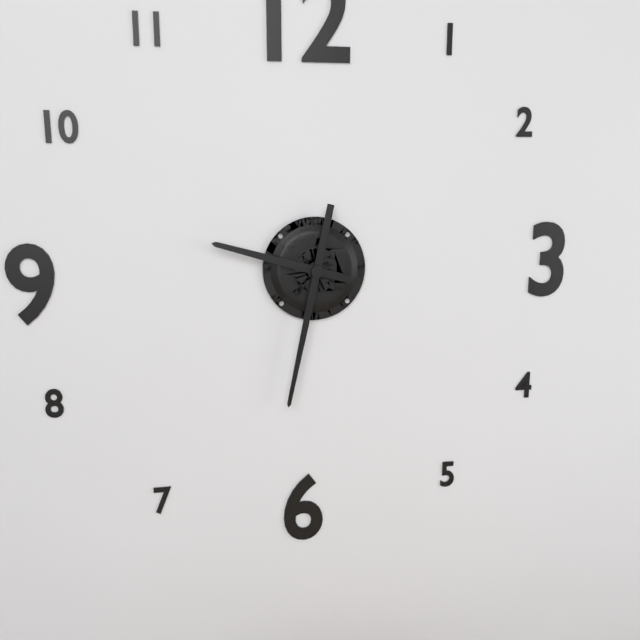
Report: 9:32
